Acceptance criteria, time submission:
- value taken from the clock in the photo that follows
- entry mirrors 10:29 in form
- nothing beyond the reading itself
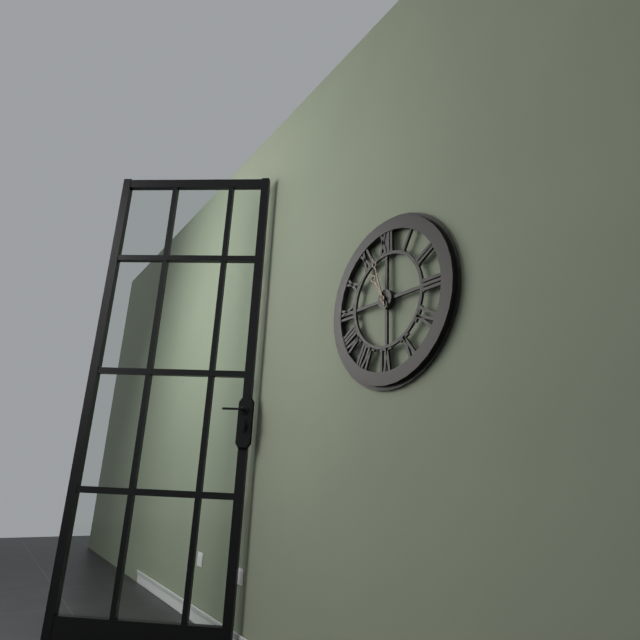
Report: 10:57
